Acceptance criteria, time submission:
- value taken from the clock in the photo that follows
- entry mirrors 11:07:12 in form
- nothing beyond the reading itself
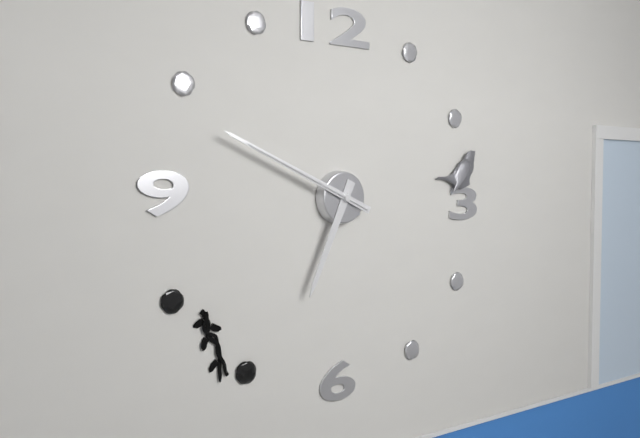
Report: 6:49:49
